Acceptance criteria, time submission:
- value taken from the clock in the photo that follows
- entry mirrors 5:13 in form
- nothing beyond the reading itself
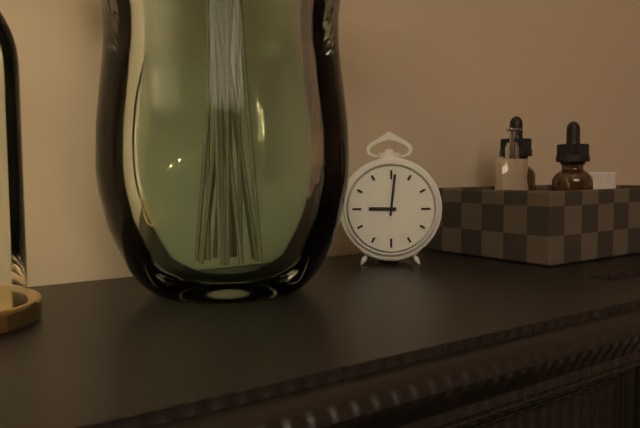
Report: 9:01
